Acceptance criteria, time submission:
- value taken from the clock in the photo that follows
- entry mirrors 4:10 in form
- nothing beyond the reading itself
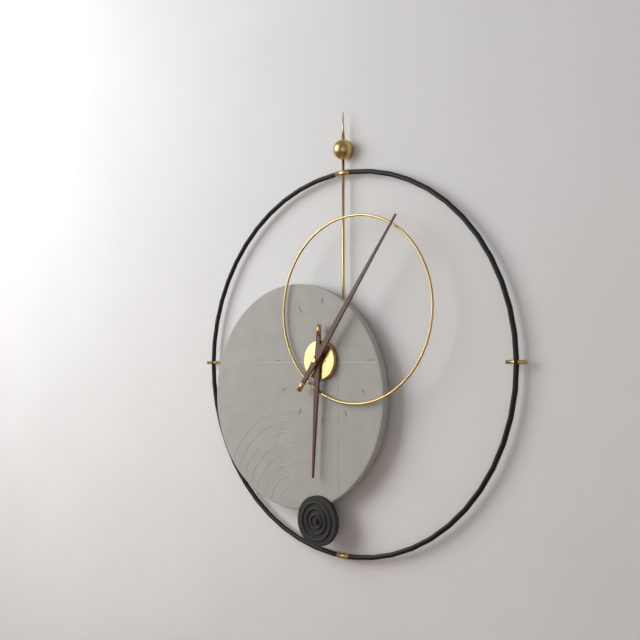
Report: 6:06
